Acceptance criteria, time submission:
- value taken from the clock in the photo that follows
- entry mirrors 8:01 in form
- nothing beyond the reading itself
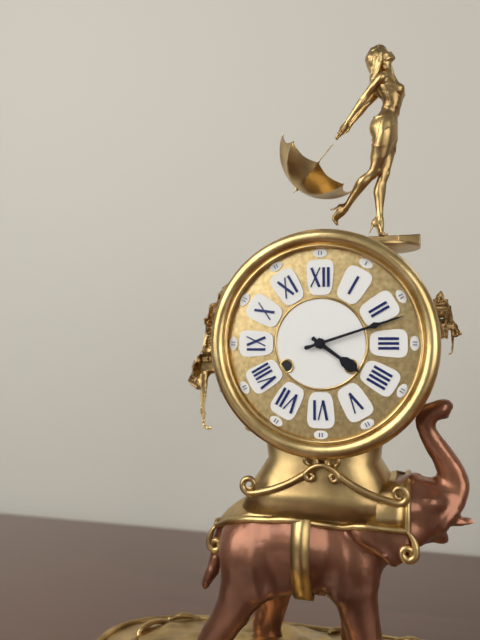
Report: 4:12
